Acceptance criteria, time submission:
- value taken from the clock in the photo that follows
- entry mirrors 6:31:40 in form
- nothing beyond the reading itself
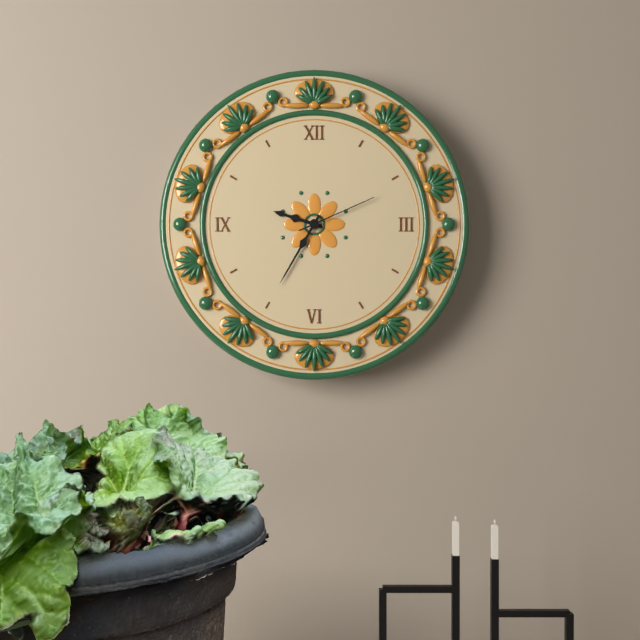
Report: 9:35:11
